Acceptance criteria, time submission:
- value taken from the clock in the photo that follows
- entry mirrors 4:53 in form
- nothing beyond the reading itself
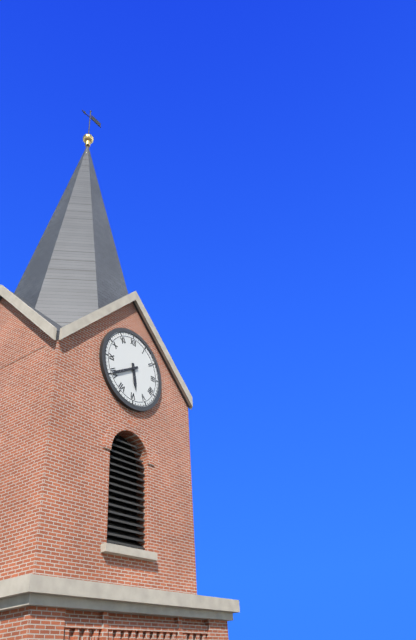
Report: 5:40
